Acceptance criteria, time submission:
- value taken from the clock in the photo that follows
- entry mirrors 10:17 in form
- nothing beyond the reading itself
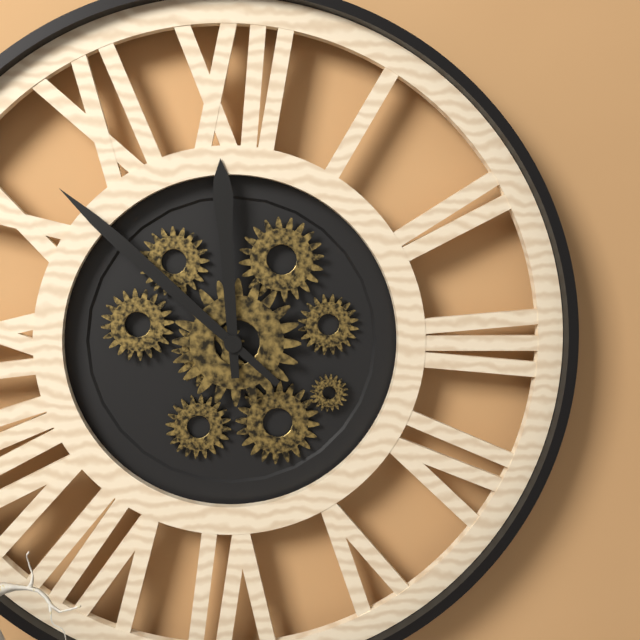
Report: 11:52
